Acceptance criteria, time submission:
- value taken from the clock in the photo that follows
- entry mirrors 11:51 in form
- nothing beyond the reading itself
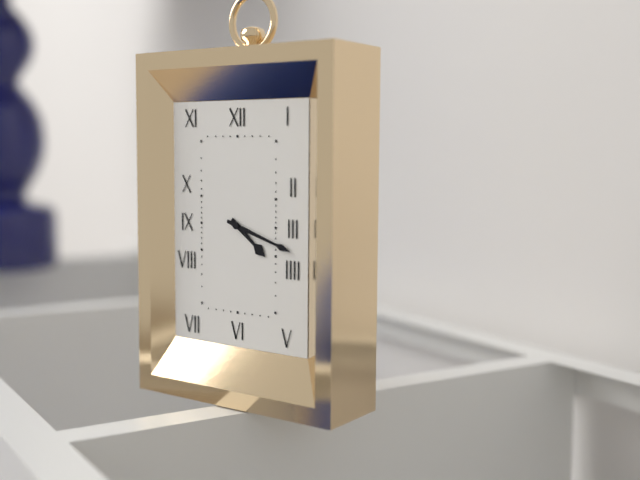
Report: 4:18
